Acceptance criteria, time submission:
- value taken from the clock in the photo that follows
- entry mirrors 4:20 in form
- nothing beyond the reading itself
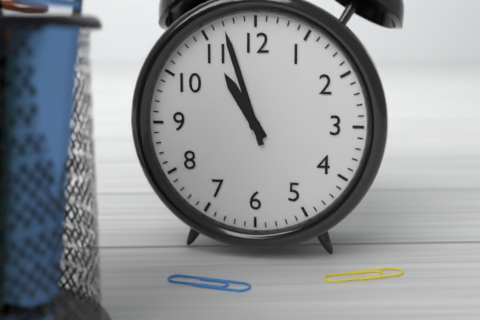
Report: 10:57
